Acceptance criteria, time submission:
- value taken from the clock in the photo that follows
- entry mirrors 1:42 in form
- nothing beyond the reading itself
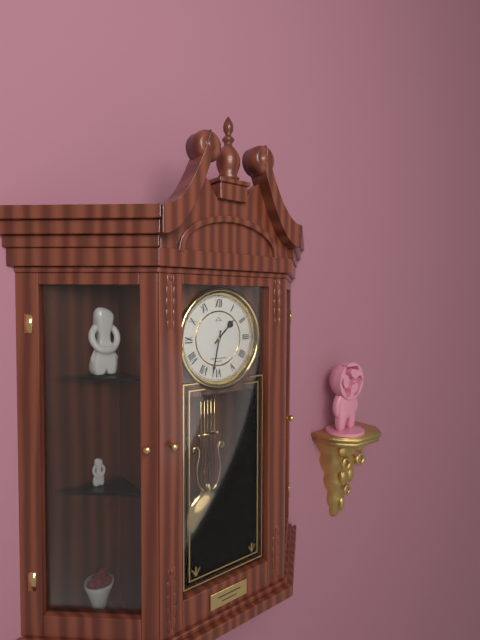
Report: 1:32
